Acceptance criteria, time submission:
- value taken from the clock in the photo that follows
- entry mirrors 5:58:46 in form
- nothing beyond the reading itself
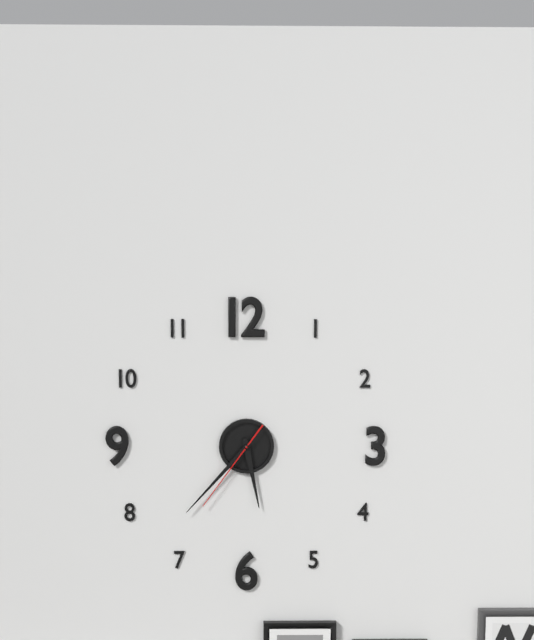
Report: 5:37:36
